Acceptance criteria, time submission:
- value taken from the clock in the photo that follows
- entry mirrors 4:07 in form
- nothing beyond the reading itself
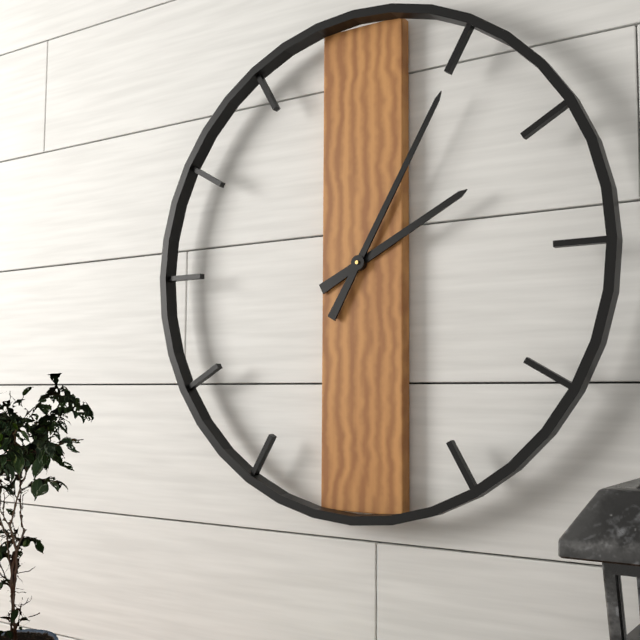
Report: 2:05
